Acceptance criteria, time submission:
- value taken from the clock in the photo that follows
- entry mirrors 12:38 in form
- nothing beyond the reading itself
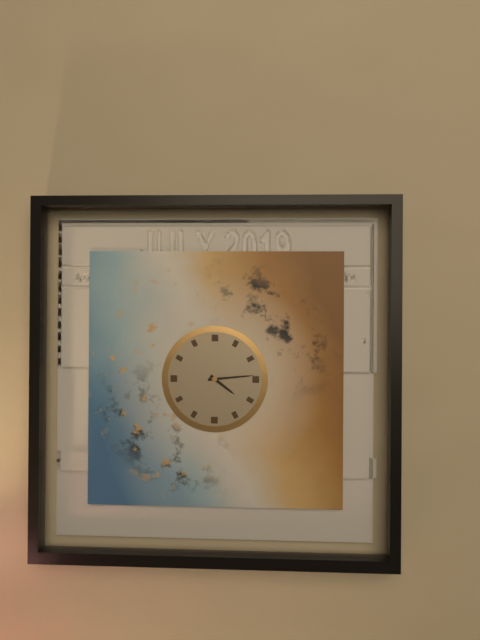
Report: 4:14
